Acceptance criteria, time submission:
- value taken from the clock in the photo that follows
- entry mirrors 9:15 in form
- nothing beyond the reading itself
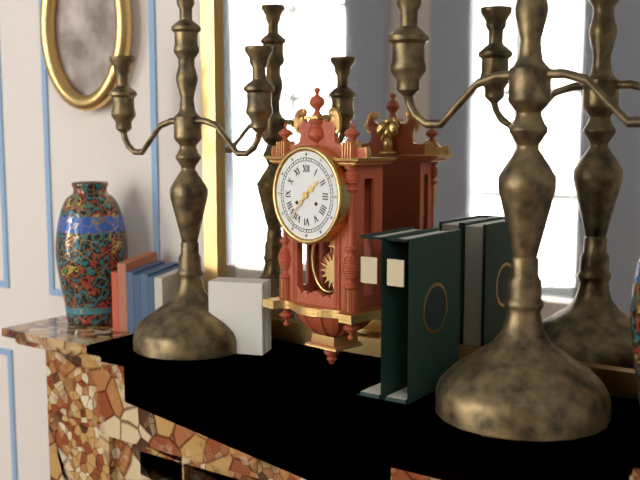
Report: 1:37
